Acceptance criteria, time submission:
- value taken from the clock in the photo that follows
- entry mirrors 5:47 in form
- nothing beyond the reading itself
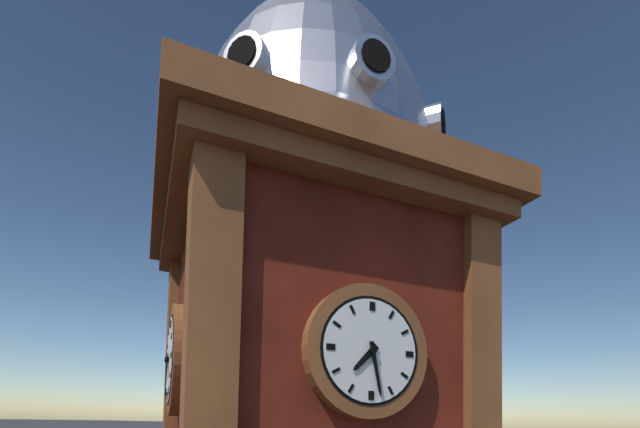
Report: 7:28
